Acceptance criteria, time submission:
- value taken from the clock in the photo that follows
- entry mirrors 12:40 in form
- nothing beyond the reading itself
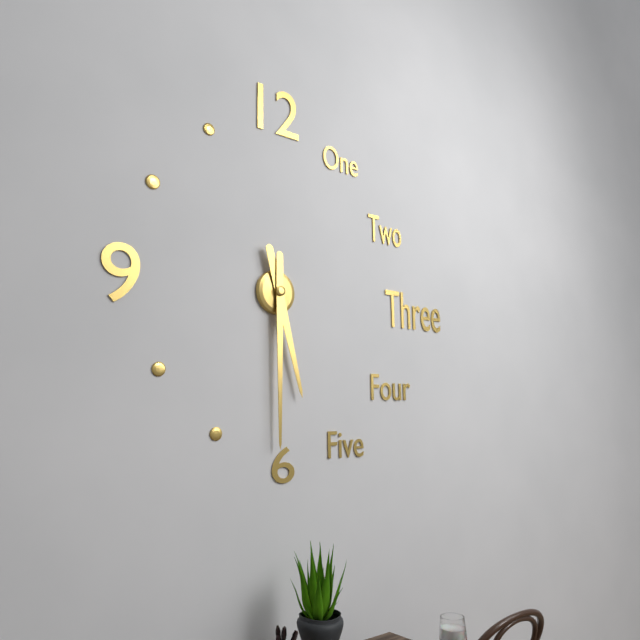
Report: 5:30
